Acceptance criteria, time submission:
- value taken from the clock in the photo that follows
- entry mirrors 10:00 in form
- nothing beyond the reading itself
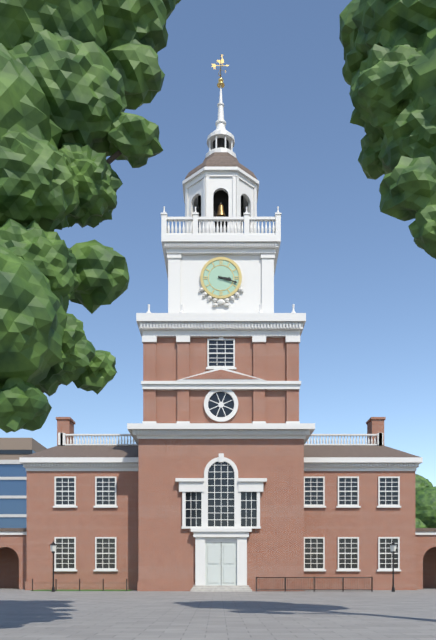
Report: 3:18
